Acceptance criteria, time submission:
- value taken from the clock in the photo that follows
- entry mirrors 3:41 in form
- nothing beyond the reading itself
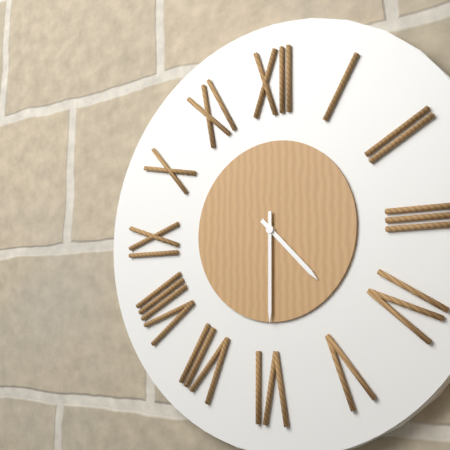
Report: 4:30
